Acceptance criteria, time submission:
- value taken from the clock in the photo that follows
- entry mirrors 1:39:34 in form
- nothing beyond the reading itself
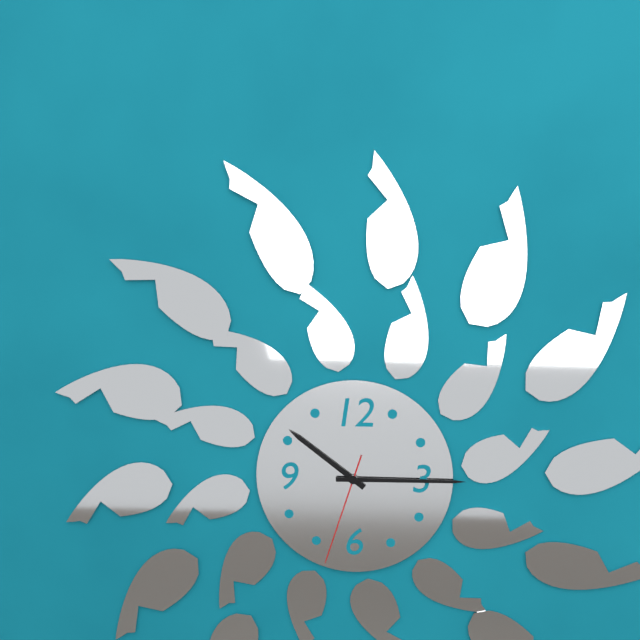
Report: 10:15:33
